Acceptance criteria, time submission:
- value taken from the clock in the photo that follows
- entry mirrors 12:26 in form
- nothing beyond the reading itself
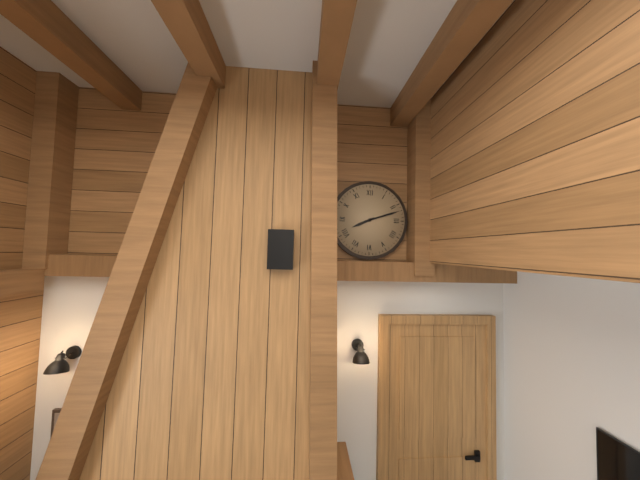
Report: 8:12
